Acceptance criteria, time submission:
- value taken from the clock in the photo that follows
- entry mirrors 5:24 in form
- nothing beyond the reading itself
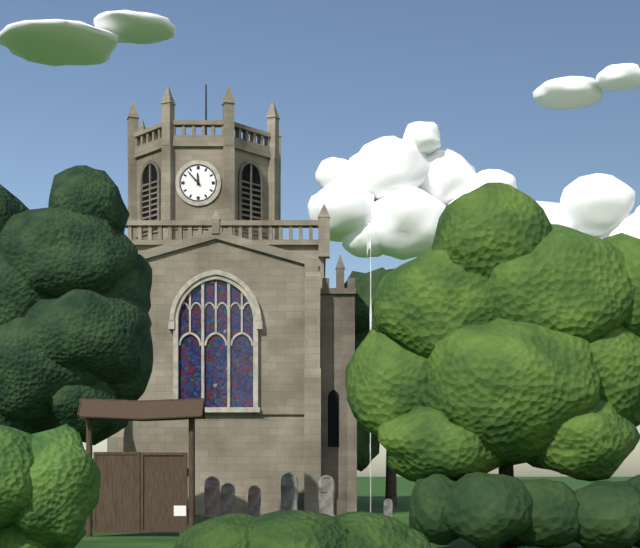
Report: 11:53
